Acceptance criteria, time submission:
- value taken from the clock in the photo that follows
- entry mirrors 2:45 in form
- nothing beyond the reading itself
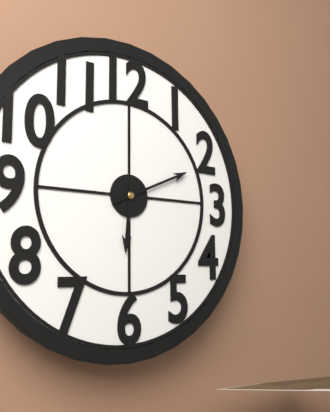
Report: 6:11
